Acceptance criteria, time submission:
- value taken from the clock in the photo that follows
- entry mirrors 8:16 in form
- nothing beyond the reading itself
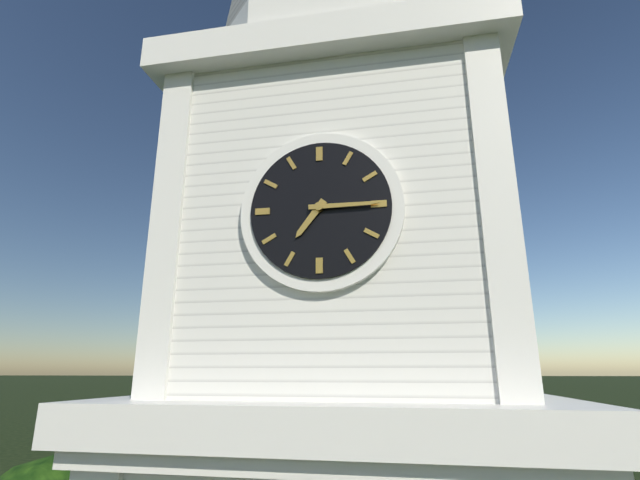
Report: 7:15
